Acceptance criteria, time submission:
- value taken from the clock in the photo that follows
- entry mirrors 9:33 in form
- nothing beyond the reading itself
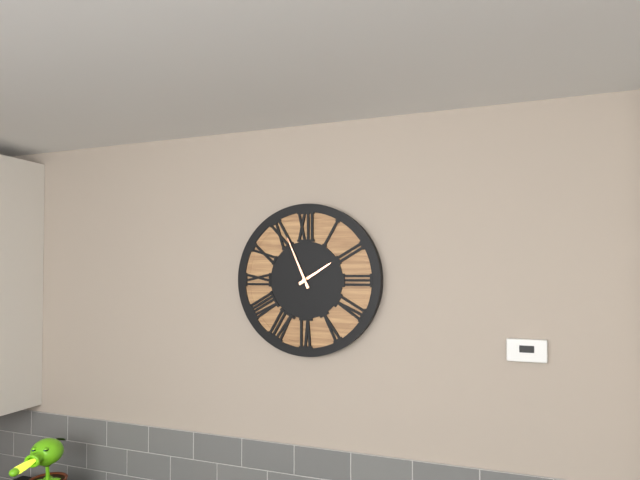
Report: 1:56
